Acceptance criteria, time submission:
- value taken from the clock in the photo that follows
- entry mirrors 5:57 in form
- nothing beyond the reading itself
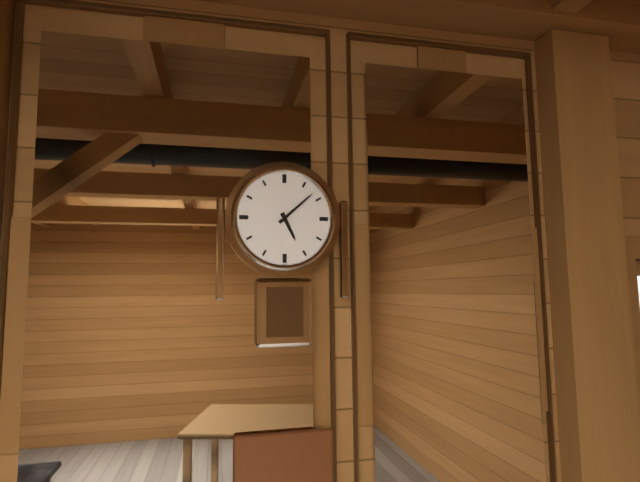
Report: 5:08
